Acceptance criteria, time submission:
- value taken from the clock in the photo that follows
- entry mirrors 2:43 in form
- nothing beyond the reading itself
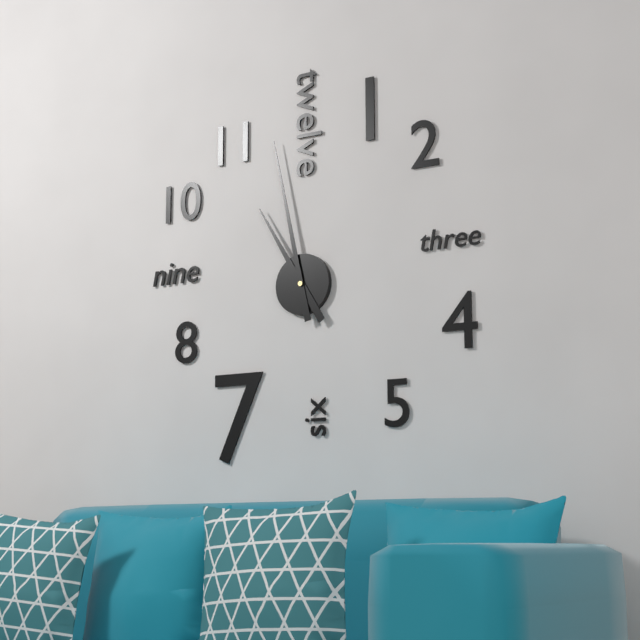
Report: 10:58
